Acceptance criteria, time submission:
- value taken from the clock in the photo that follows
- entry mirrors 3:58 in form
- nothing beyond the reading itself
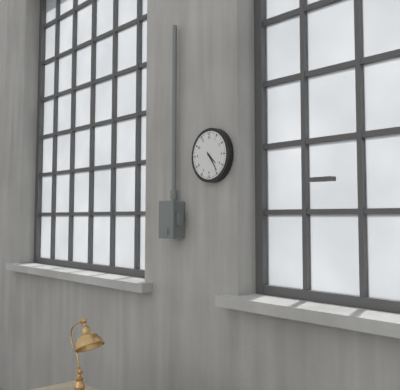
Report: 4:24
